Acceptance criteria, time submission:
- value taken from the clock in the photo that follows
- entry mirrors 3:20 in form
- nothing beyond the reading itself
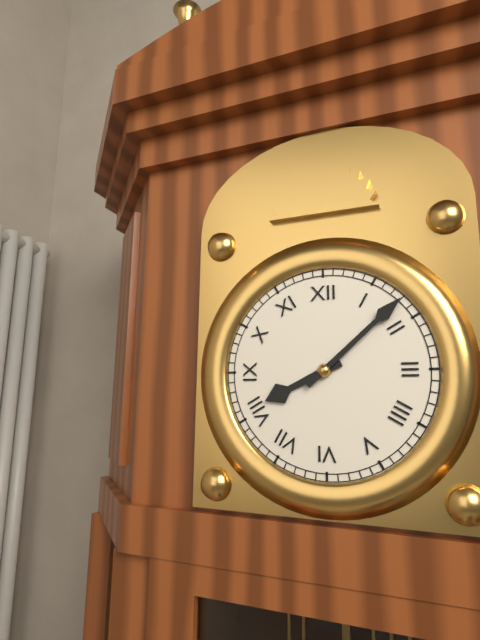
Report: 8:08
